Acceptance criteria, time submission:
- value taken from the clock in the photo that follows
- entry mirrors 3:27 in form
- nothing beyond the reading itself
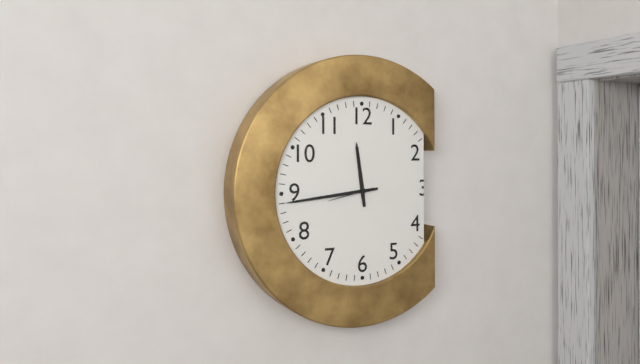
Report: 11:44
